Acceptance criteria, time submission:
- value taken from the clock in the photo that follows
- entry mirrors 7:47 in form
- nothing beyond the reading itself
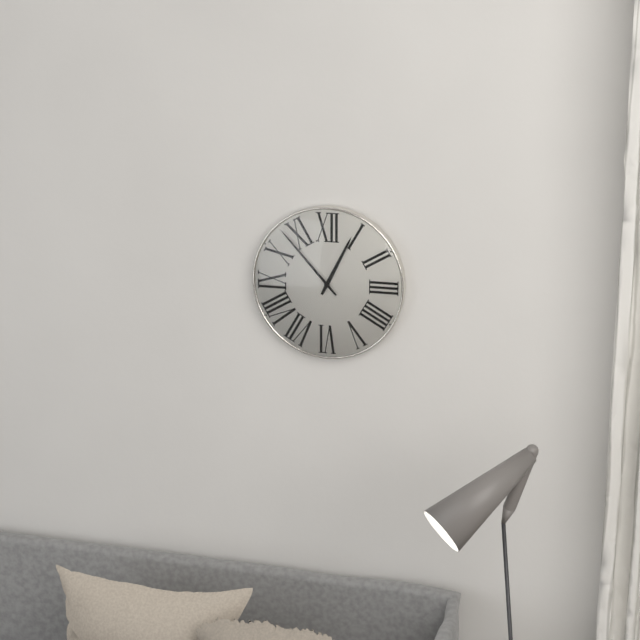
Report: 12:53
